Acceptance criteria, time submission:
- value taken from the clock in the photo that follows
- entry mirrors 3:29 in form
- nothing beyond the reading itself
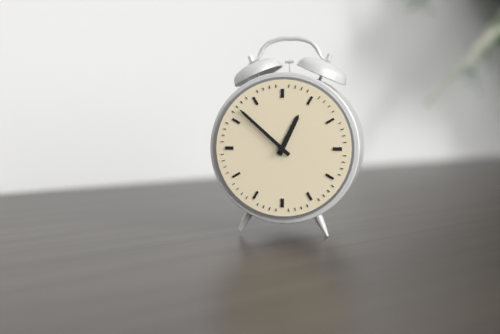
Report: 12:52
